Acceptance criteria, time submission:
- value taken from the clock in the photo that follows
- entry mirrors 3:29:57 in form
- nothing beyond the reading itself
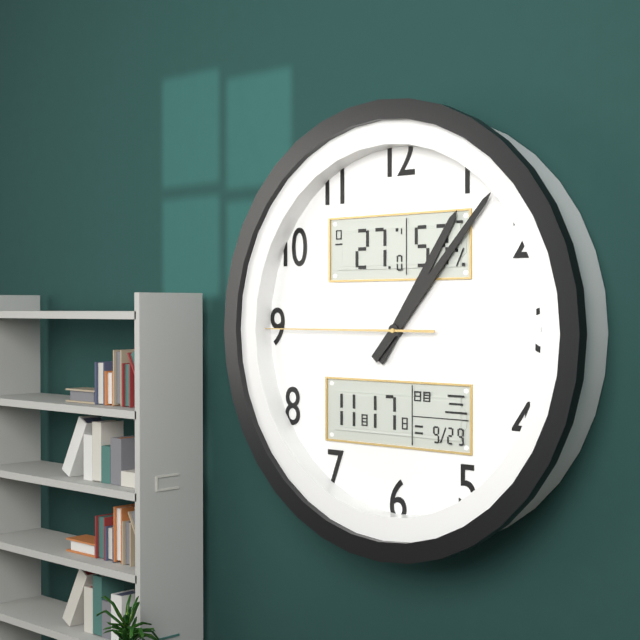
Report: 1:07:45
